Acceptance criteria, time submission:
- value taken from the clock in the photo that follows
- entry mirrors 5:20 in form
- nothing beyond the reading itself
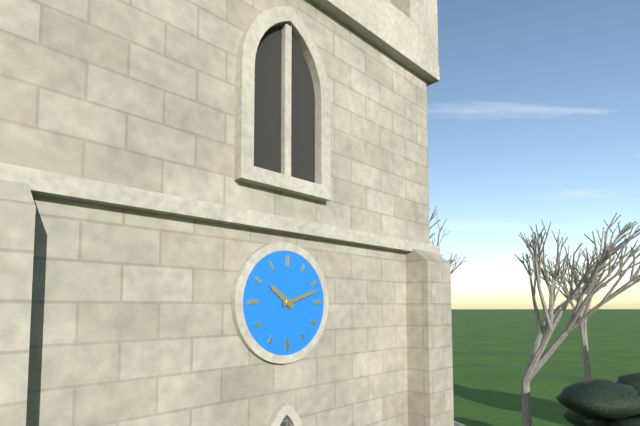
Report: 10:12
